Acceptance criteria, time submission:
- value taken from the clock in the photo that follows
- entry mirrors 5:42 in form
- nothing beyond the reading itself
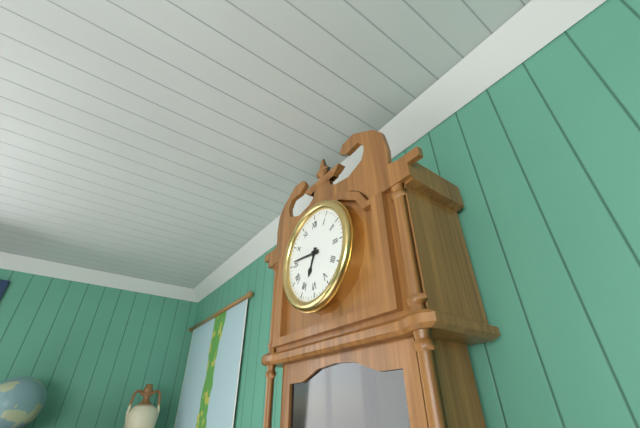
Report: 6:46
